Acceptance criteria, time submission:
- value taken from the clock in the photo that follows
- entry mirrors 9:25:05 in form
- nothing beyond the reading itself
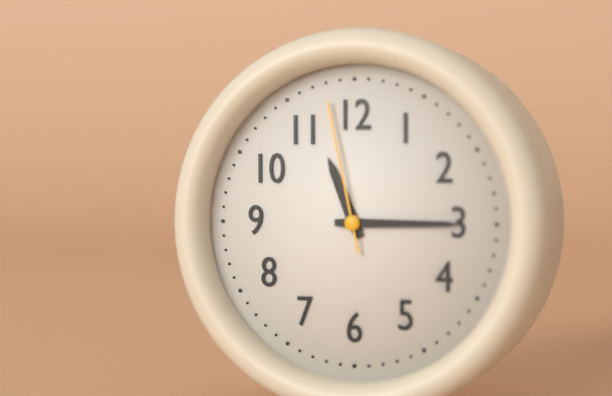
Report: 11:15:58
